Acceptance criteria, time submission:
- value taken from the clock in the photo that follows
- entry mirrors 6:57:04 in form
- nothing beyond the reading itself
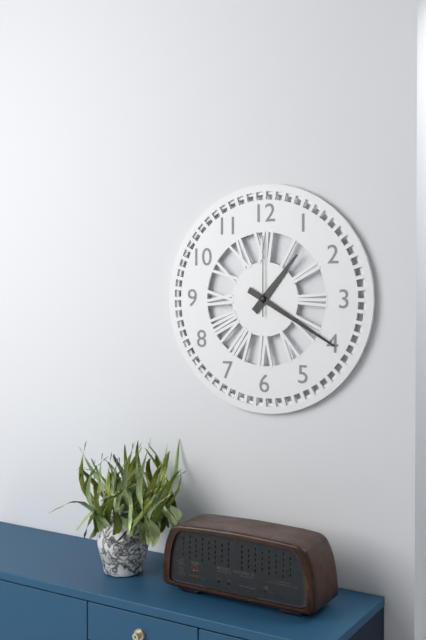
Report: 1:20:00
